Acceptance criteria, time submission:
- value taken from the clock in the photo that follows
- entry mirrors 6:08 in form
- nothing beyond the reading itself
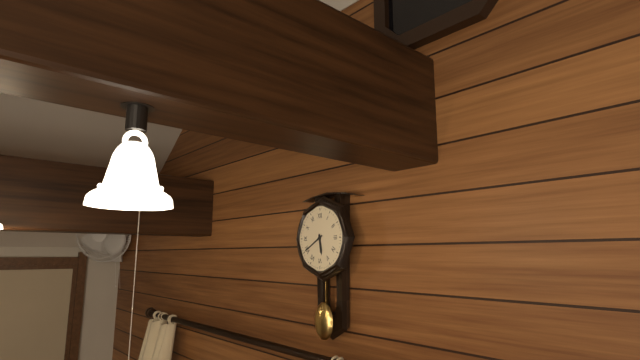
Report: 5:40
